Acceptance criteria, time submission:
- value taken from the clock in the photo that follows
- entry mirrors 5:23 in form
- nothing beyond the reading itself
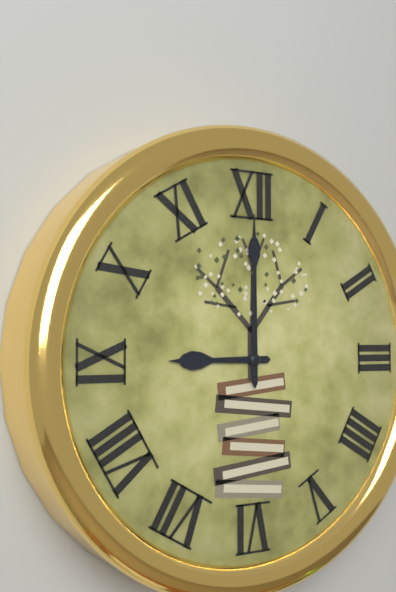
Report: 9:00
